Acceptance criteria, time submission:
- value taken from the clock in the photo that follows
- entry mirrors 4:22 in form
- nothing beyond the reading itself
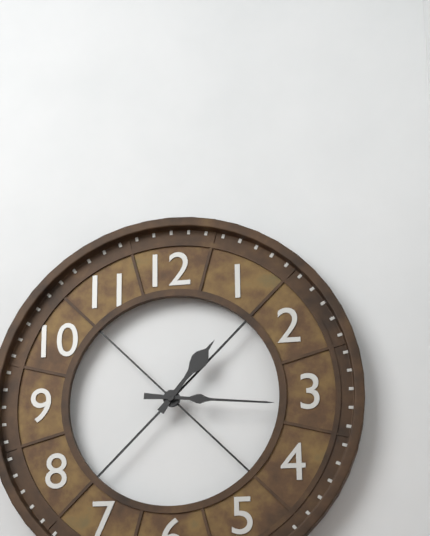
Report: 1:16
